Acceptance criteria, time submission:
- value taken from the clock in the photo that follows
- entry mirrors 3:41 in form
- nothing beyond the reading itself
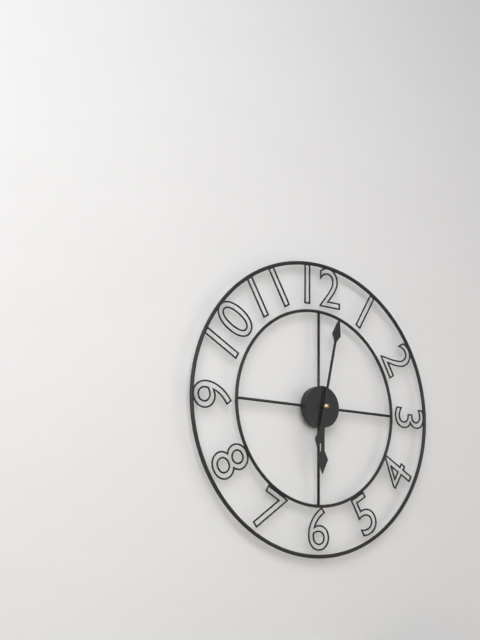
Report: 6:02
